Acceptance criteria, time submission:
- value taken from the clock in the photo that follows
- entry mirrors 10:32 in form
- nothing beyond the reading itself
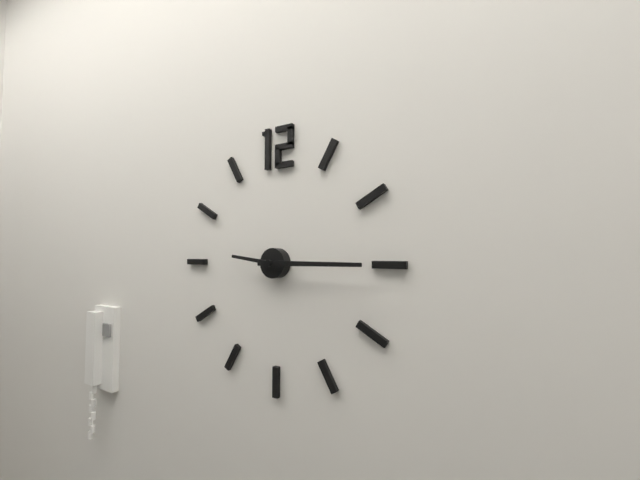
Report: 9:15
